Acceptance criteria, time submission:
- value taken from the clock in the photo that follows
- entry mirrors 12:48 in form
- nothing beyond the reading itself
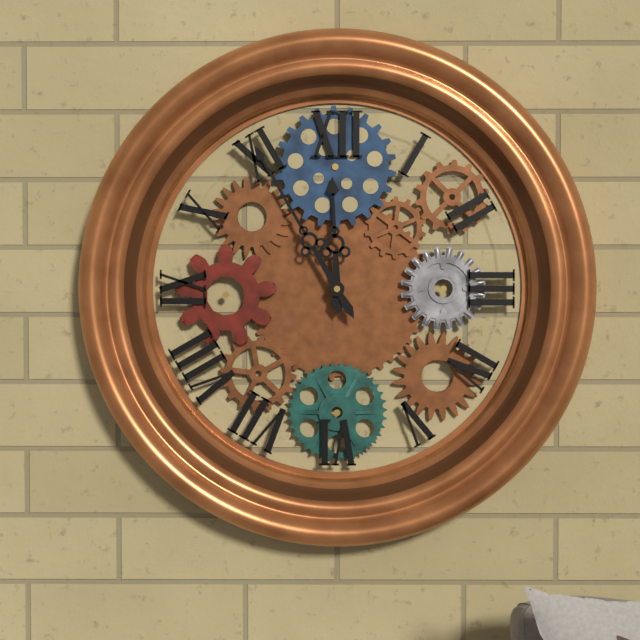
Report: 11:55
